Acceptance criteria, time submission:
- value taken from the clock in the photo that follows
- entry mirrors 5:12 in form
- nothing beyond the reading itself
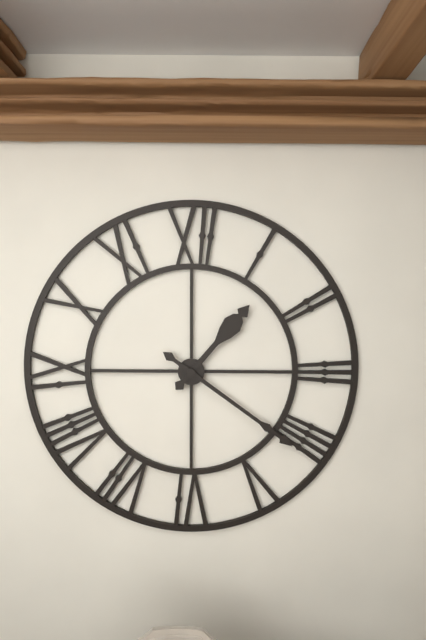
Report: 1:21
